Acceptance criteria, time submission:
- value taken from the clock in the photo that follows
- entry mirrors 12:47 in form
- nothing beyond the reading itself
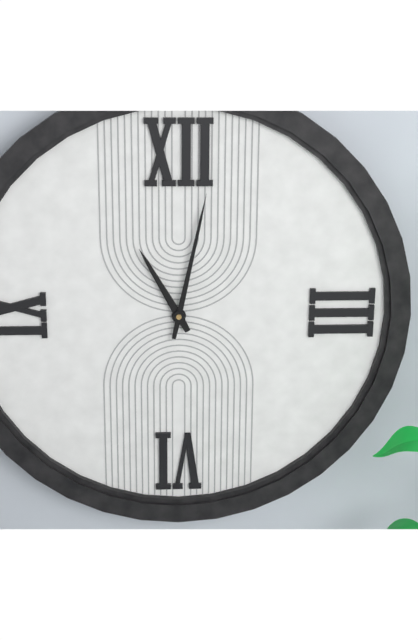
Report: 11:02
